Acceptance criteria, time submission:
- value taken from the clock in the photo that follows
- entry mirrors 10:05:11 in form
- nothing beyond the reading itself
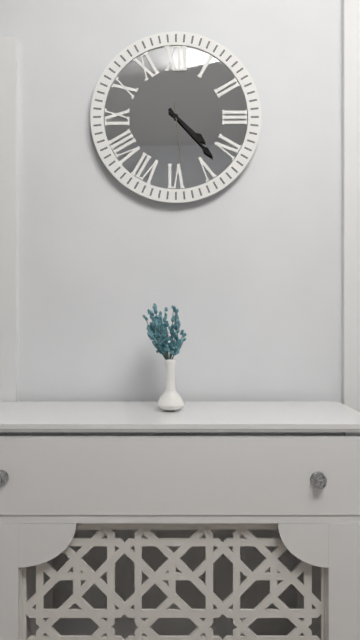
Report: 4:23:29
